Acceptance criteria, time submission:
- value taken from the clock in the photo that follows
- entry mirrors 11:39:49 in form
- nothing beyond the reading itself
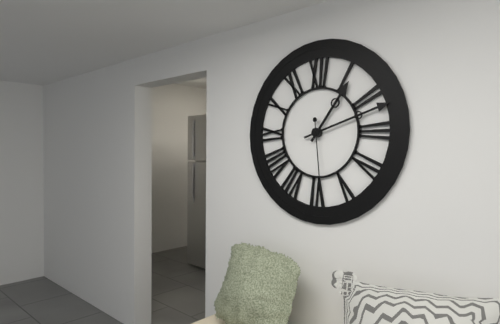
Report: 1:12:29
